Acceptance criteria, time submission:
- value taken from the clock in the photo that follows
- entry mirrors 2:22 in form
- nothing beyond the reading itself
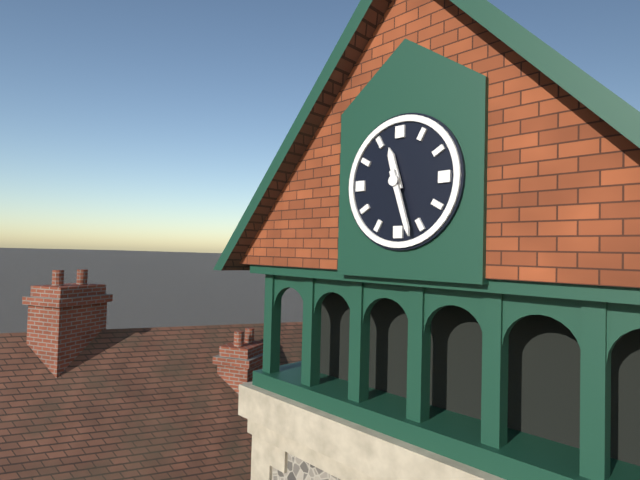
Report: 11:27
